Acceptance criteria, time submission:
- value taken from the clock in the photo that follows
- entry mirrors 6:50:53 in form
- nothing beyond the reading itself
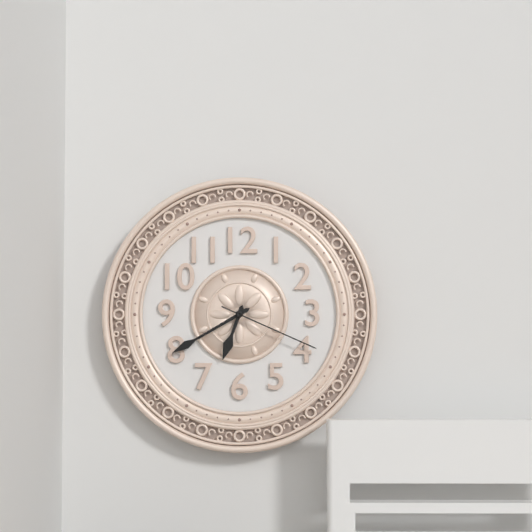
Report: 6:40:19
